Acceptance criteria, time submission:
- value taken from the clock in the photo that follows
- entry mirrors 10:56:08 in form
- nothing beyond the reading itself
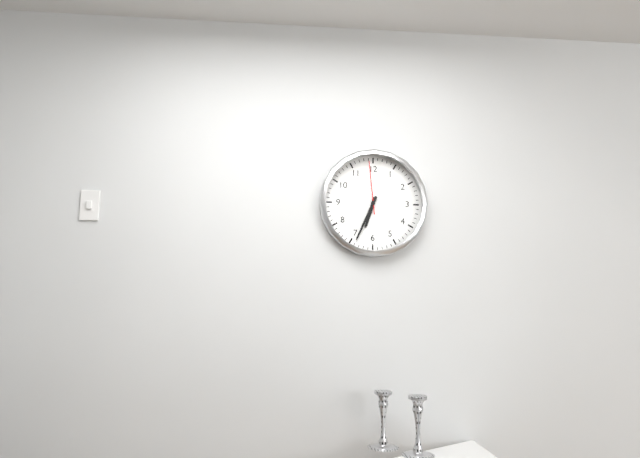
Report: 6:34:59
